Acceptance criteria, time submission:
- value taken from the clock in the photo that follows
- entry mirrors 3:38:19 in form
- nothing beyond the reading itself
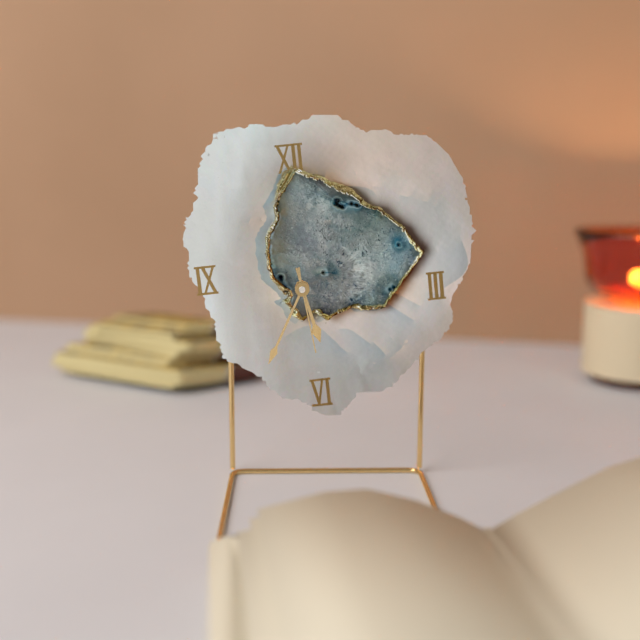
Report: 5:35:29
